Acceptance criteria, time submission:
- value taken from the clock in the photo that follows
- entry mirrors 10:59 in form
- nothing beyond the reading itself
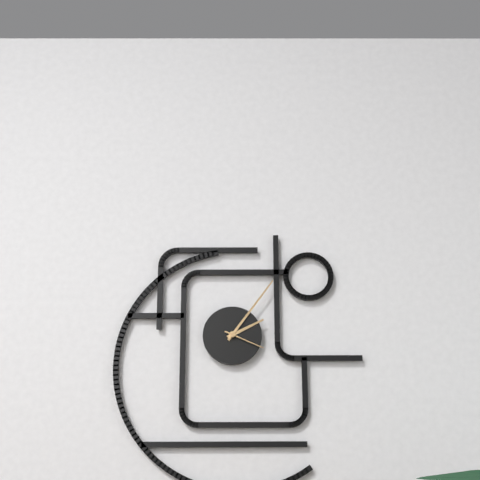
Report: 2:06
